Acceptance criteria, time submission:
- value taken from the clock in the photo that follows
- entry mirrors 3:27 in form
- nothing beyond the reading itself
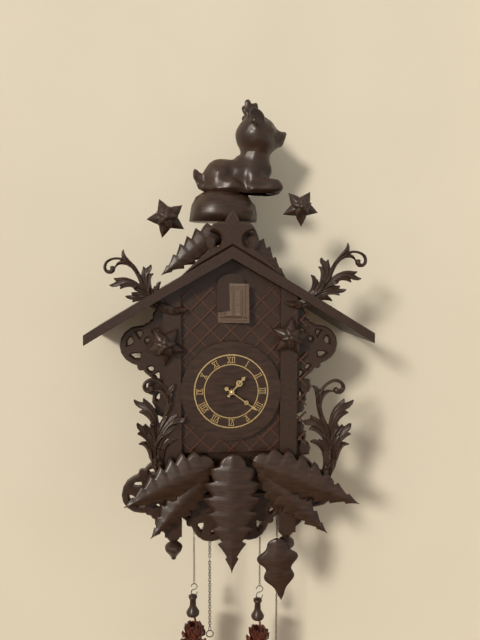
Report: 1:21
